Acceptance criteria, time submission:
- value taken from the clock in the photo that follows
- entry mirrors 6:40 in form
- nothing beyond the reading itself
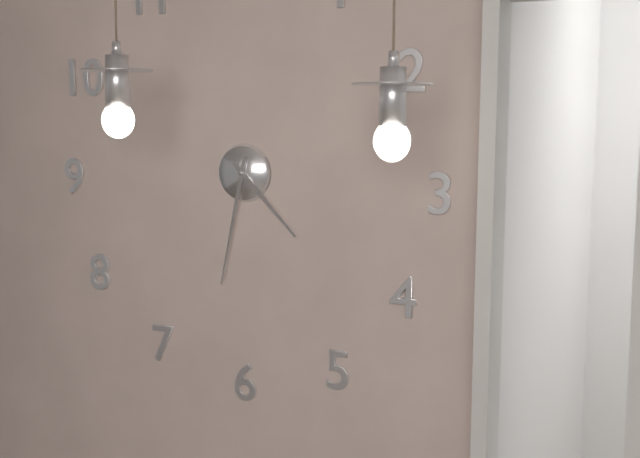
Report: 4:32
